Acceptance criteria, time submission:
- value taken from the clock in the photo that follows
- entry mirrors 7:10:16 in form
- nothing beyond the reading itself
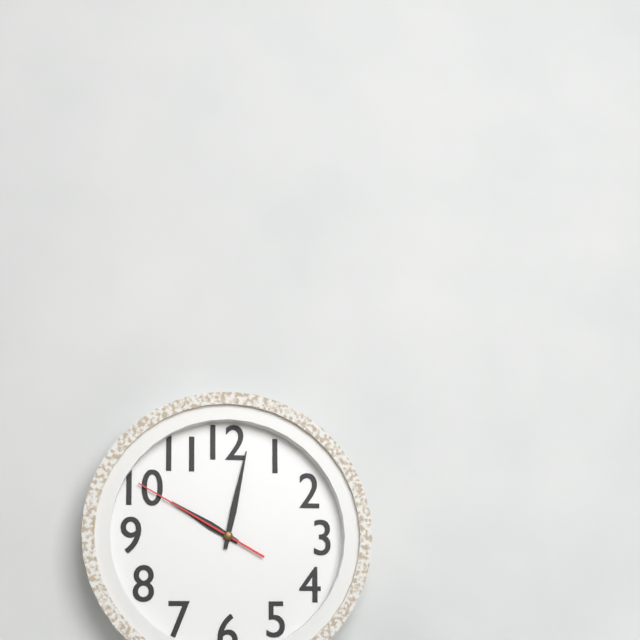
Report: 10:02:50
